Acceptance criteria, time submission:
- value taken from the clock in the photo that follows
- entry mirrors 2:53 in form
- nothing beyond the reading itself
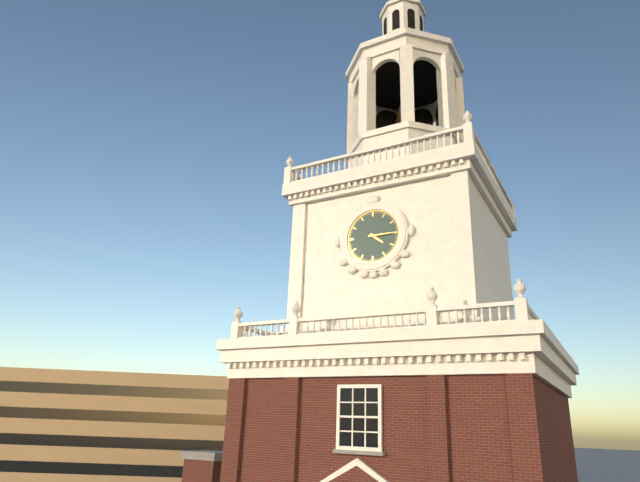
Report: 4:15
